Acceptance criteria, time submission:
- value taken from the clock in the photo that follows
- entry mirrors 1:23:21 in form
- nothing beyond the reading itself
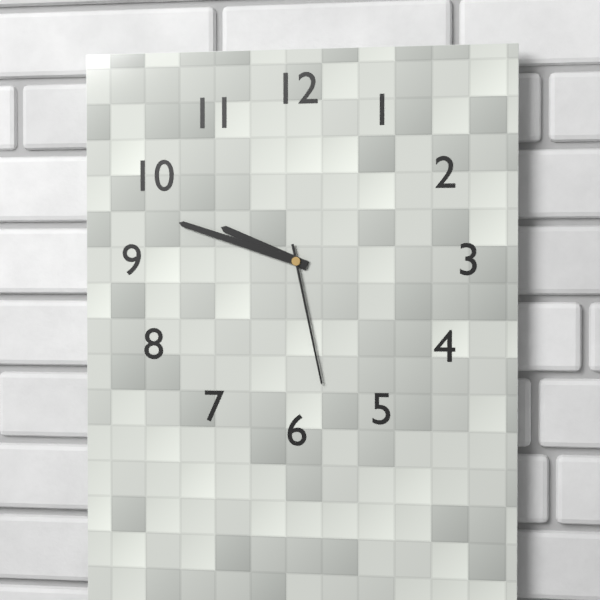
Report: 9:48:28
